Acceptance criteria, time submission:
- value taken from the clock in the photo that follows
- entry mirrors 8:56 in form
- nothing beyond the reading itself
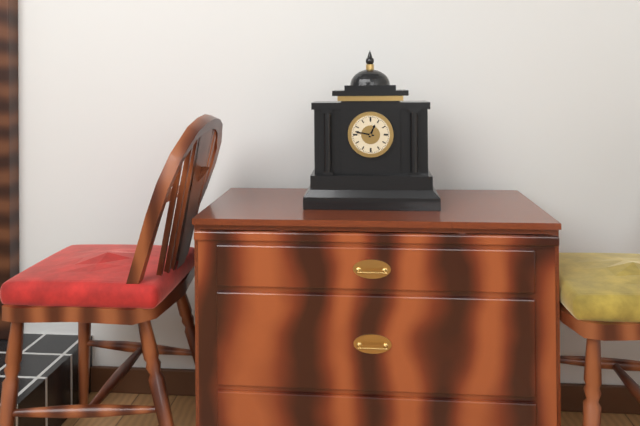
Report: 12:47
